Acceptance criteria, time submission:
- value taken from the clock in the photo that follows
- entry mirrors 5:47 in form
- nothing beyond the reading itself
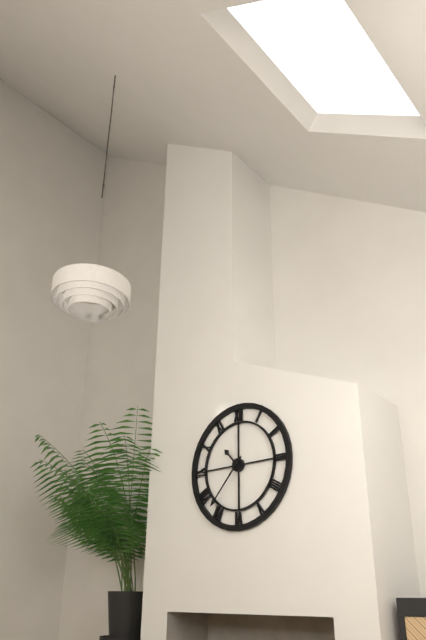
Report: 10:37
